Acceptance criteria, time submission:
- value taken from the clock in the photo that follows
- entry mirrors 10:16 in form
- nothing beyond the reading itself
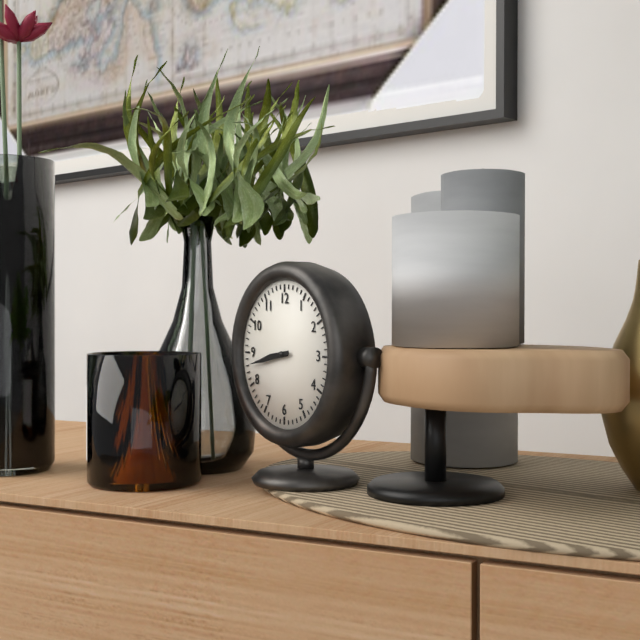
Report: 8:43
